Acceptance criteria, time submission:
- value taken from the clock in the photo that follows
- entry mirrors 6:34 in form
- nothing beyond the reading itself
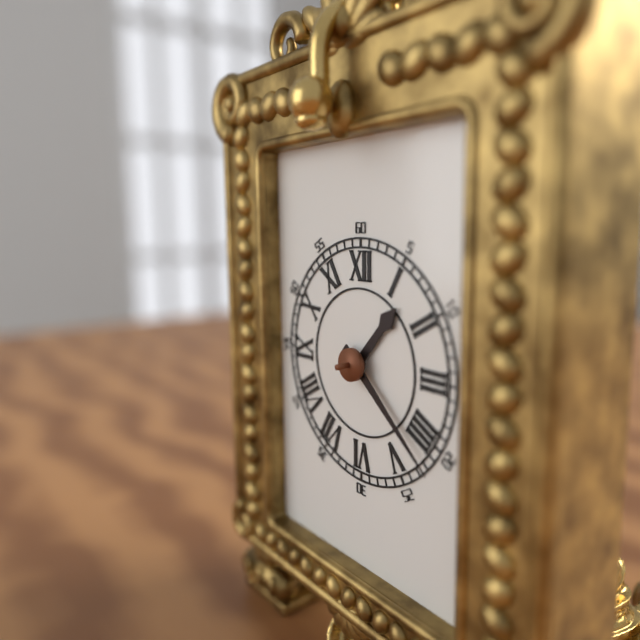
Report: 1:22
